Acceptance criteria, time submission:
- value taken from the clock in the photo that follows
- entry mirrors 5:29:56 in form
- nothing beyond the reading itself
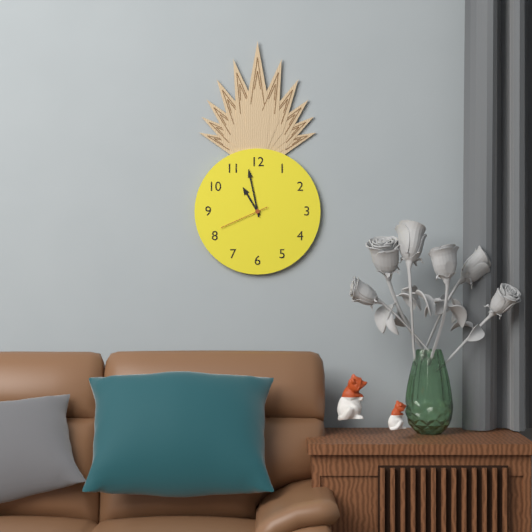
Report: 10:58:41
